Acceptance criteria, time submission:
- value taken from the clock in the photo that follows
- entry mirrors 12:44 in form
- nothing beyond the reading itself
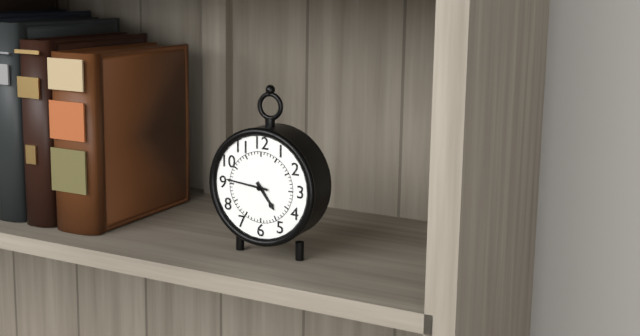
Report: 4:46
